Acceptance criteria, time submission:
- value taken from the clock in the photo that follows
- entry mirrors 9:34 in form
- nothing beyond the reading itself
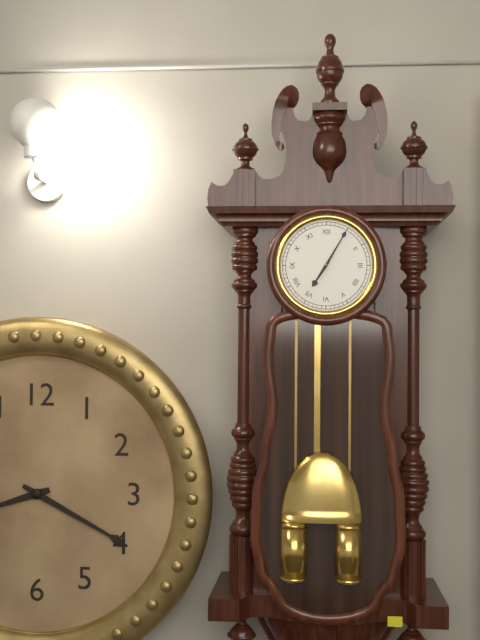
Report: 7:05
